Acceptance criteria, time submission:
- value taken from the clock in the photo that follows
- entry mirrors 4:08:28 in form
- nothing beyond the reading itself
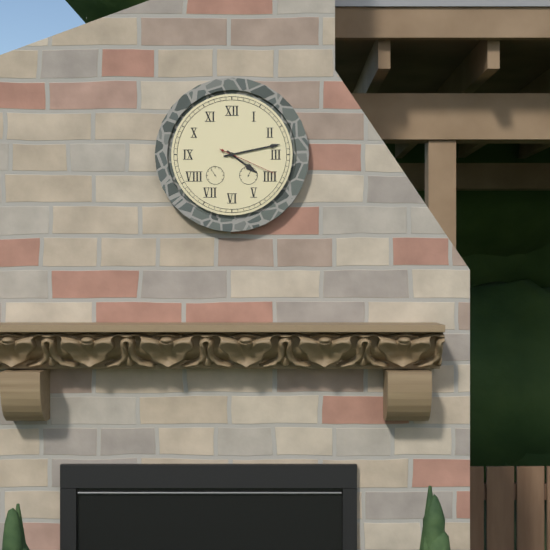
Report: 4:13:19
